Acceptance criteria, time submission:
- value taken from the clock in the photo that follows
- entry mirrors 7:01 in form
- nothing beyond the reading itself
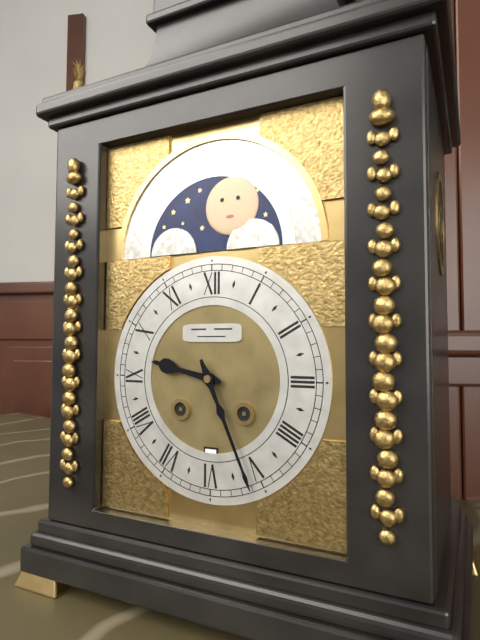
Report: 9:26
